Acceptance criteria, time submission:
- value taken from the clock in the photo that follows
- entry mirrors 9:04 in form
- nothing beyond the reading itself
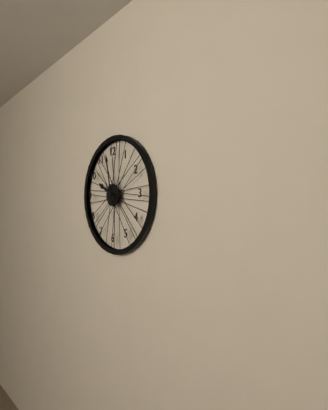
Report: 9:58
